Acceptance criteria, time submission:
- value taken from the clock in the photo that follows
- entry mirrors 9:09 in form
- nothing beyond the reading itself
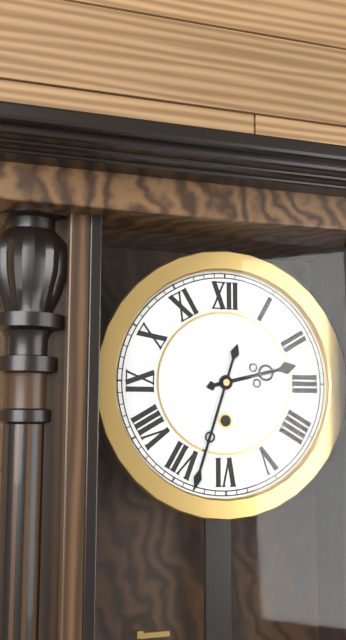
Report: 2:33
